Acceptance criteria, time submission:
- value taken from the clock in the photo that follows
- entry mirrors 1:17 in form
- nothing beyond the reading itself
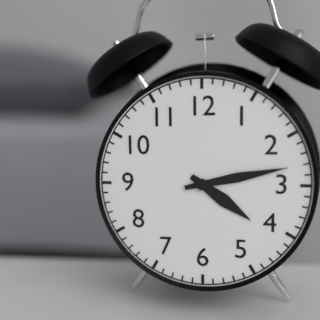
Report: 4:13
